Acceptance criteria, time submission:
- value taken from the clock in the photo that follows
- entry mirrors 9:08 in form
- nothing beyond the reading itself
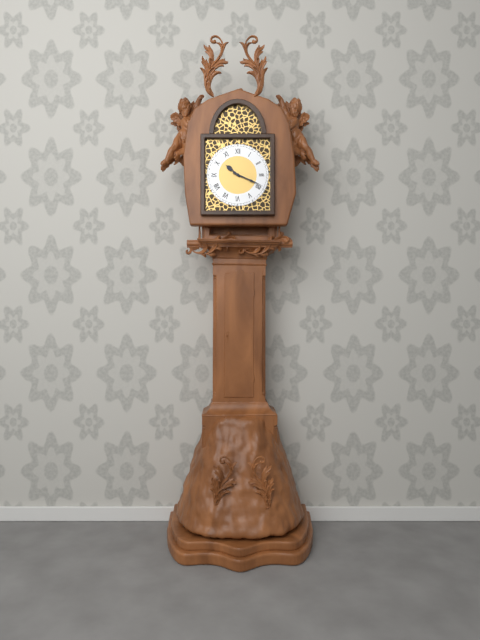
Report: 10:19
